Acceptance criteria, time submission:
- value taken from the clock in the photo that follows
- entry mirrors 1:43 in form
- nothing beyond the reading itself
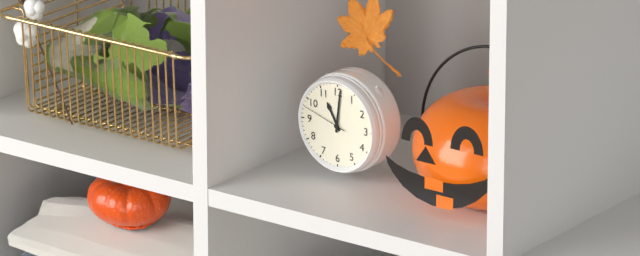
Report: 11:01
